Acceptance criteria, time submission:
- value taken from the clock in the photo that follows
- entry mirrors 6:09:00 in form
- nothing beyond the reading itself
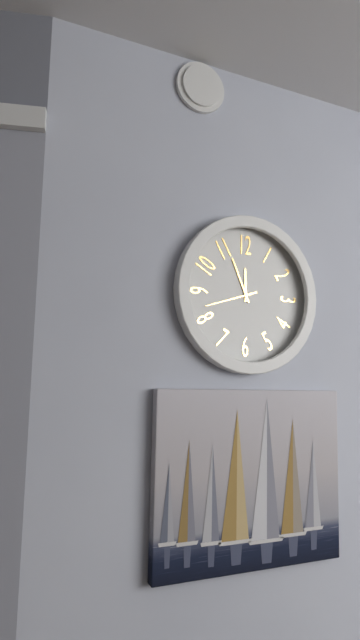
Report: 11:56:42
